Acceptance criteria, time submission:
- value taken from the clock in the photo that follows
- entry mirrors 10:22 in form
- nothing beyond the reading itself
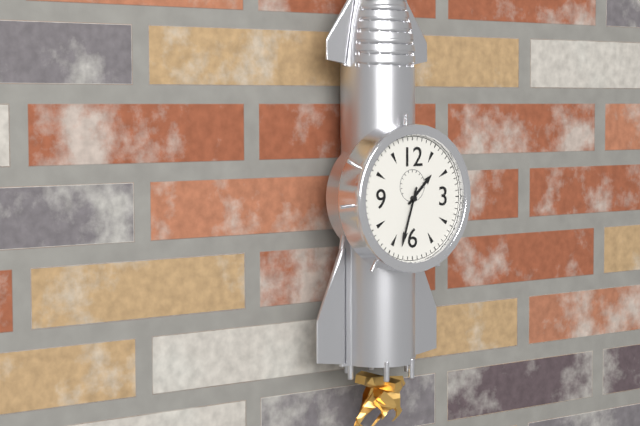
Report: 1:33
